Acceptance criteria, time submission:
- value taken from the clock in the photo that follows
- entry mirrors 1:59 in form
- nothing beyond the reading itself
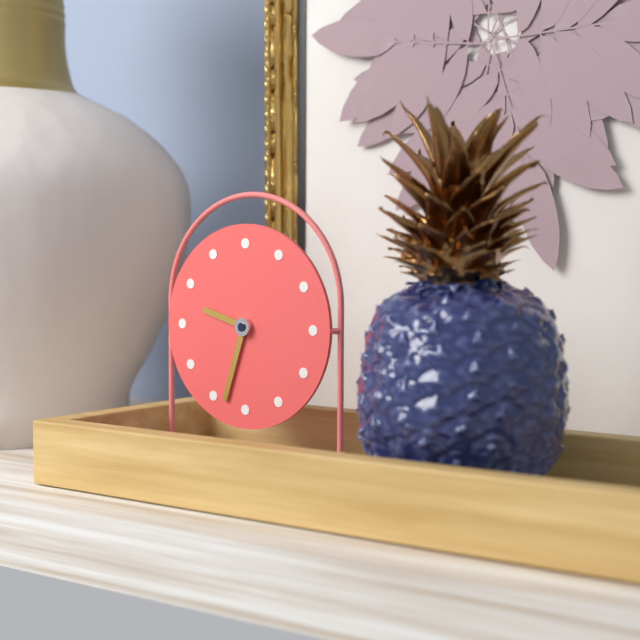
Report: 9:33
